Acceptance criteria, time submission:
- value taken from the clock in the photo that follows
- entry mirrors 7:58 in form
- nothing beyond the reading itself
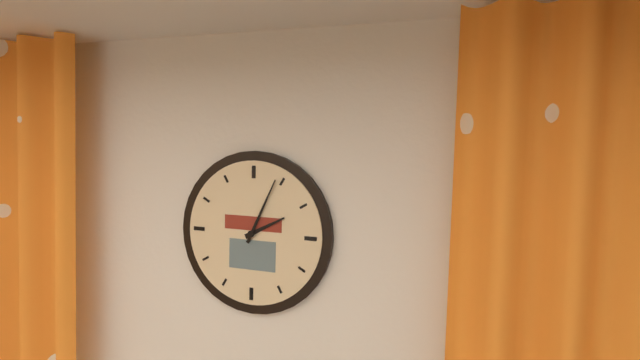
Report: 2:04
